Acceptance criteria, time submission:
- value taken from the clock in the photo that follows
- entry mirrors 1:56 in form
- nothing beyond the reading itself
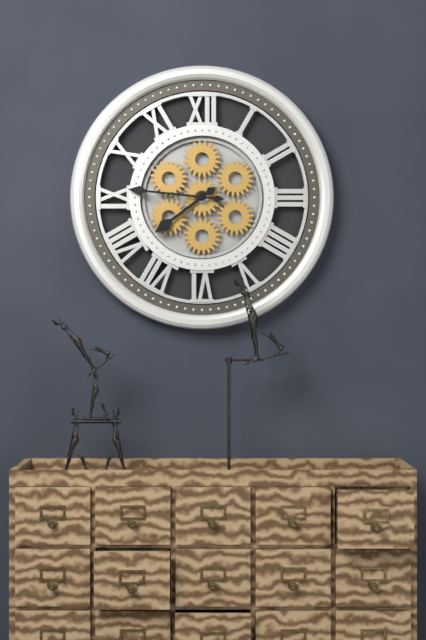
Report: 7:46
